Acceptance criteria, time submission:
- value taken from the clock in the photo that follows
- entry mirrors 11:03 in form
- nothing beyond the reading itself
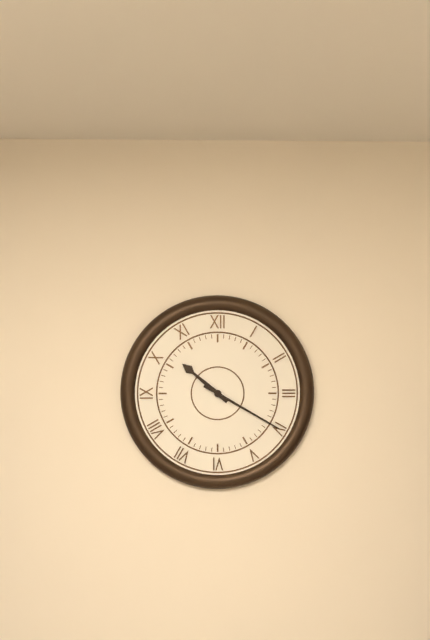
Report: 10:20
